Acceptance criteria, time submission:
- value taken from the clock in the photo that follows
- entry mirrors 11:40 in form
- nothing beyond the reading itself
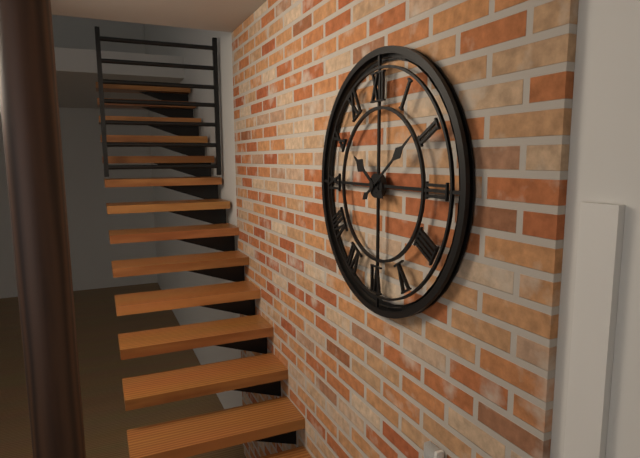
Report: 10:09
